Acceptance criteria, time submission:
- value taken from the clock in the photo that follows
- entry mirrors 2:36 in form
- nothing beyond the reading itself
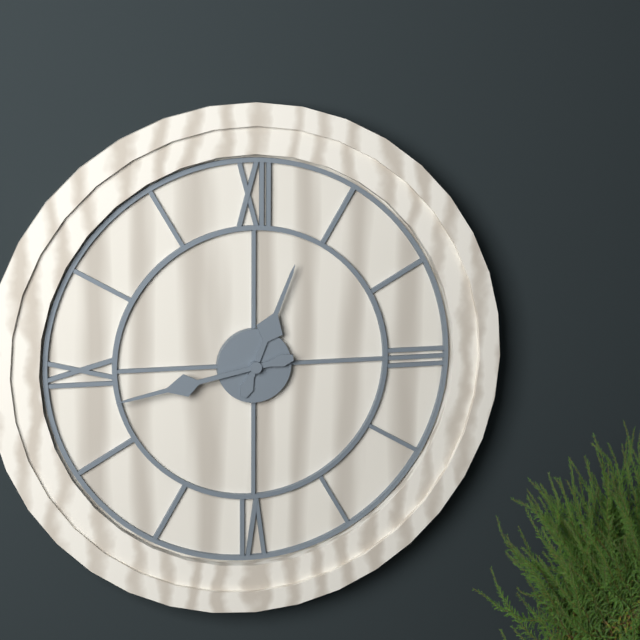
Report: 12:43
